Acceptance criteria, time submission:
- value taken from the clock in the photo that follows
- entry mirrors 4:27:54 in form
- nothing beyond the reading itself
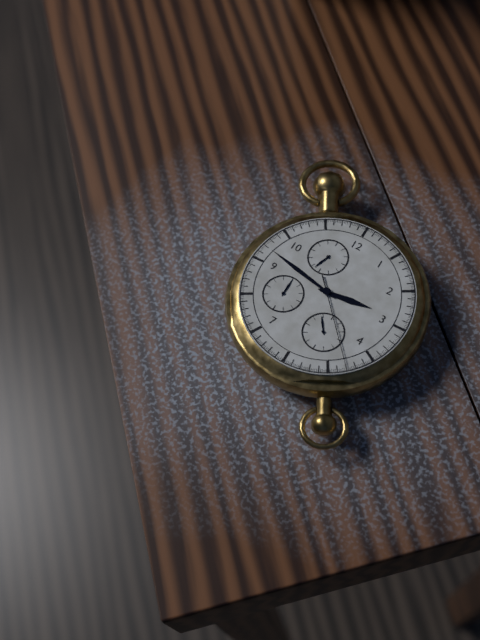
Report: 2:47:23
